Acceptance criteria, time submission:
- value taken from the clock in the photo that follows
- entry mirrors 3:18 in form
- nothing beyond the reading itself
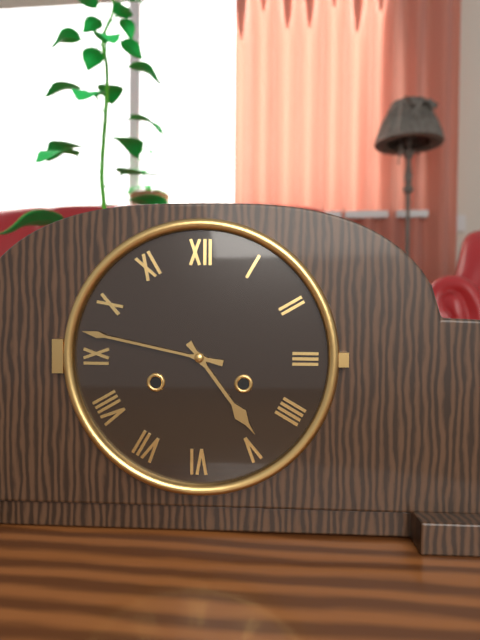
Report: 4:47
